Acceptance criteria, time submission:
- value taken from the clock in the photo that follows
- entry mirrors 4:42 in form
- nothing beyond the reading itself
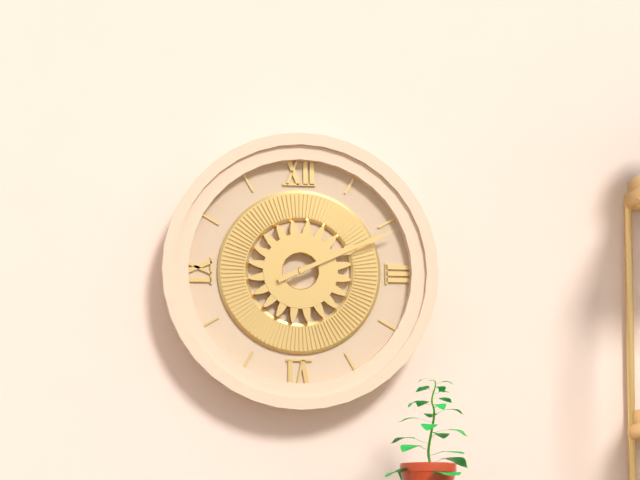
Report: 2:11
